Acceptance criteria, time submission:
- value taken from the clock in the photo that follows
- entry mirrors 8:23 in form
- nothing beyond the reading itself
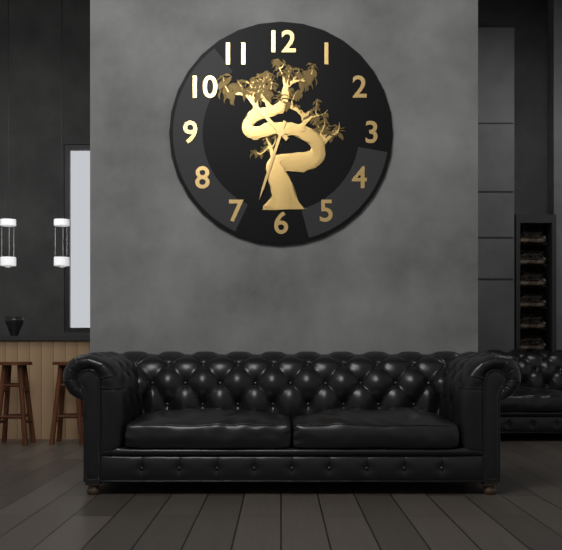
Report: 10:33
